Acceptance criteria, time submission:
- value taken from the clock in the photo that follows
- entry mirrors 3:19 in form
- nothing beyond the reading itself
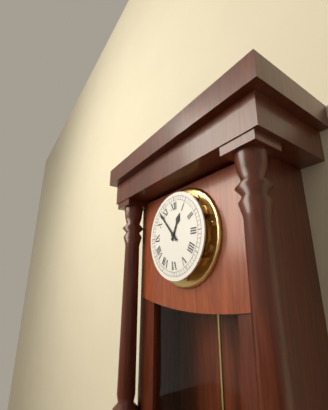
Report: 12:53
